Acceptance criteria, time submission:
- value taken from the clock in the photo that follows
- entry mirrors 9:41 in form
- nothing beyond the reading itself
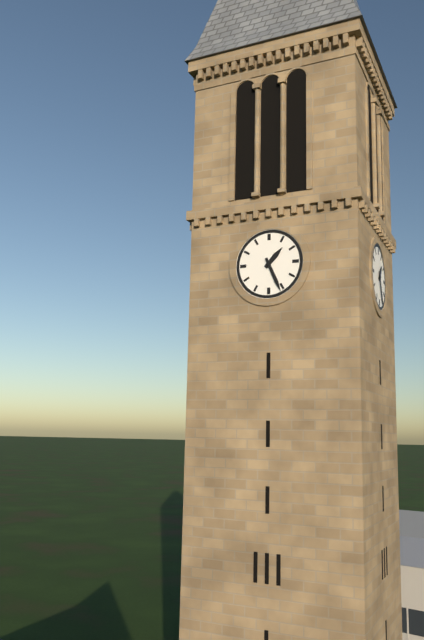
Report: 1:26
